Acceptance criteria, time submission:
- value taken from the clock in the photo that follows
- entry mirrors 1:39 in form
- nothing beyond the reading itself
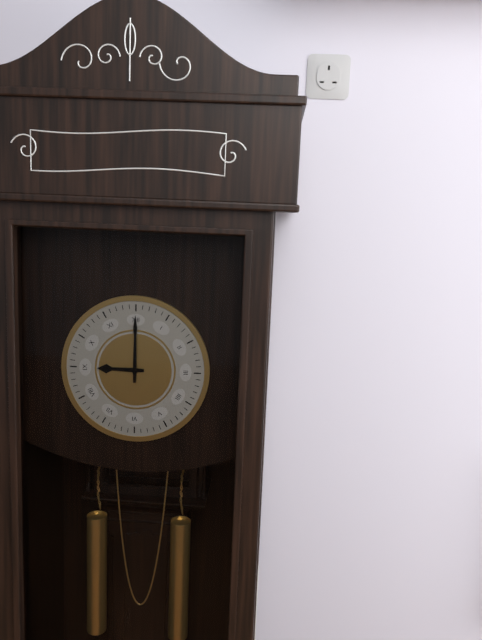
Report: 9:00
